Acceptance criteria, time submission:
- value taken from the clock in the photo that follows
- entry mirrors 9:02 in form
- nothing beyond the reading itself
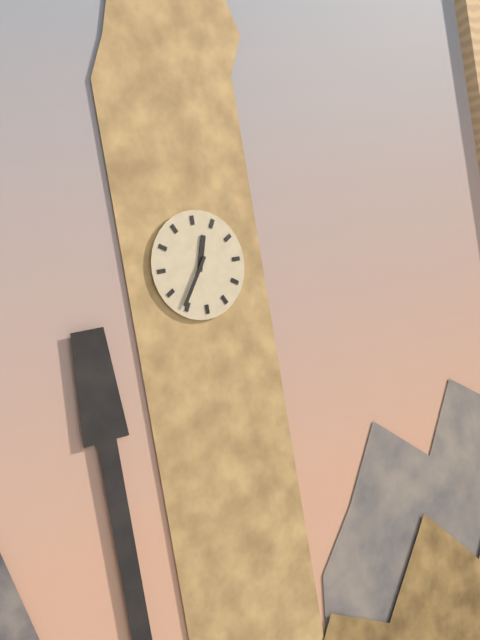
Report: 12:36
